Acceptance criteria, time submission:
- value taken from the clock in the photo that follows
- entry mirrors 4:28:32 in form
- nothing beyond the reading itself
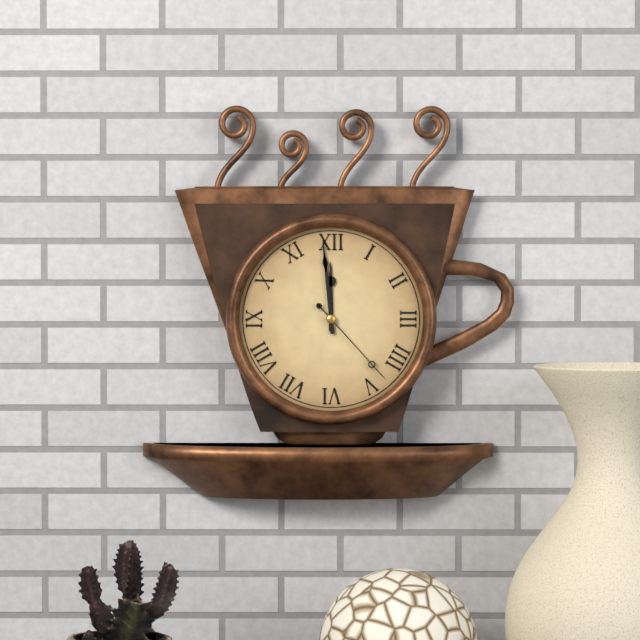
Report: 11:59:23
